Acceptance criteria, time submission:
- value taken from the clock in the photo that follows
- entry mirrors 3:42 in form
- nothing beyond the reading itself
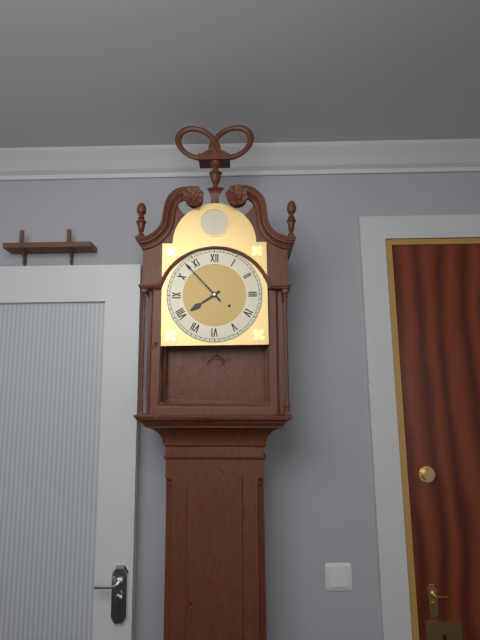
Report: 7:53
